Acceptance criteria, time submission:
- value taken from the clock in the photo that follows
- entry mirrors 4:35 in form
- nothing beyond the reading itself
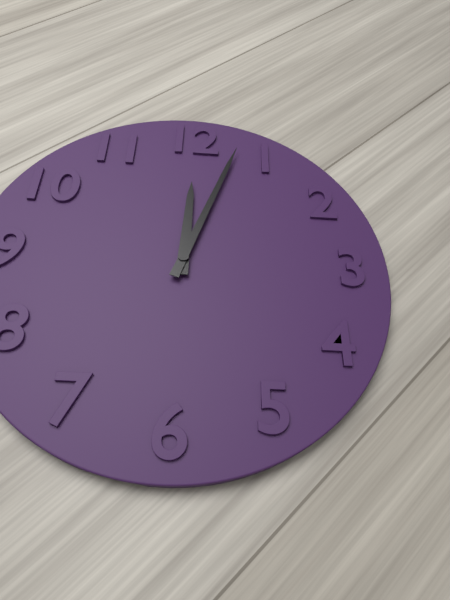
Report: 12:03
